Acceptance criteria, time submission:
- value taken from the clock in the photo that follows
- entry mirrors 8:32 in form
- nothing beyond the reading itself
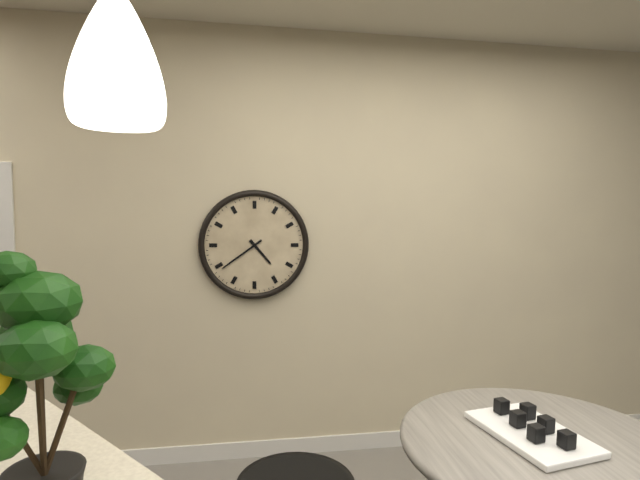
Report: 4:39
